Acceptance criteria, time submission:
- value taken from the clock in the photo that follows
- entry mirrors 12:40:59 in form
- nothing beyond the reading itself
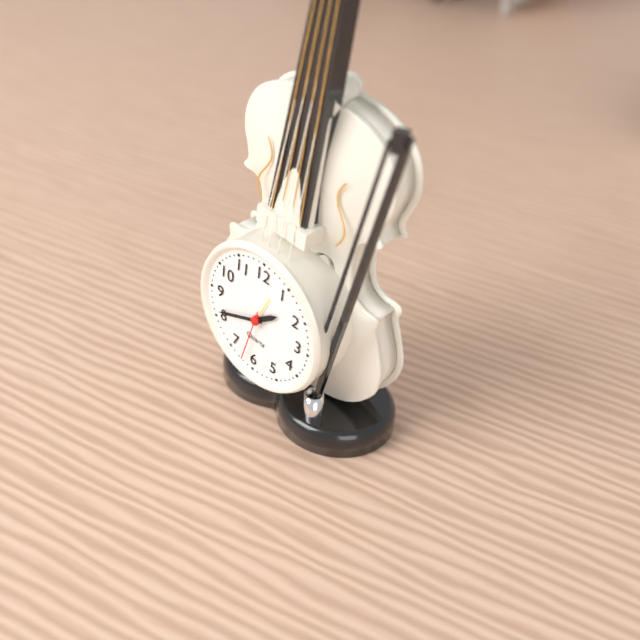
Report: 1:41:32
